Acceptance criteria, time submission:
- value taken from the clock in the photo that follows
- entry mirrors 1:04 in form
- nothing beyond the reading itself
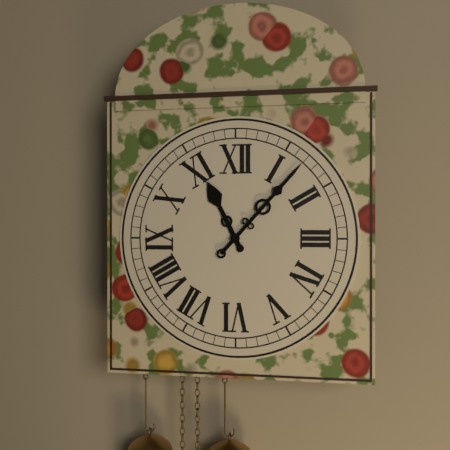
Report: 11:07
